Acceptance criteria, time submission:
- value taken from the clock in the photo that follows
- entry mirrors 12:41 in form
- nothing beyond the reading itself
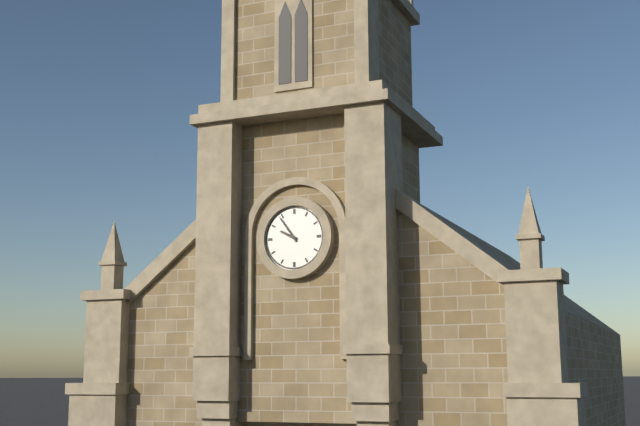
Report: 9:54
